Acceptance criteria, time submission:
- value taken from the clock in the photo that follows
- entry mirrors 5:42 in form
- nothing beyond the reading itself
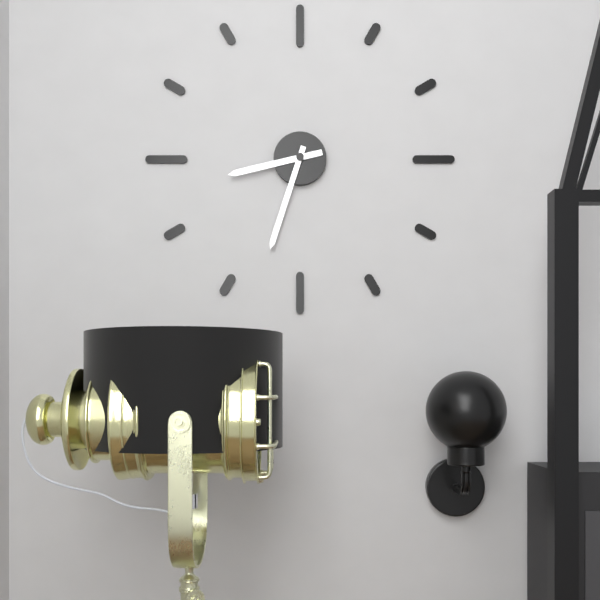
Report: 8:33
